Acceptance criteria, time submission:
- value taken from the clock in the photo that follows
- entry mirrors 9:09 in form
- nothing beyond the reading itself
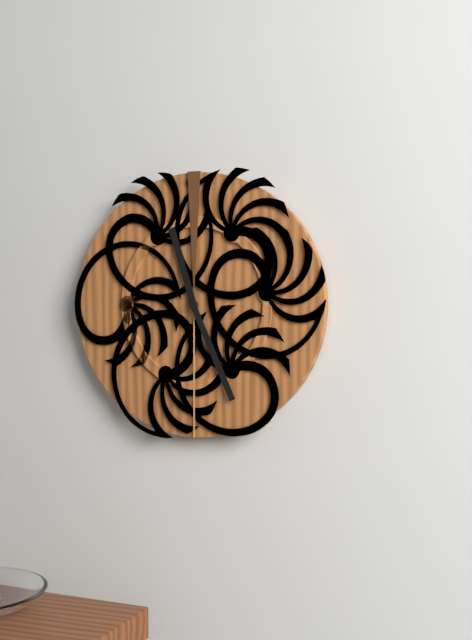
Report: 11:26
